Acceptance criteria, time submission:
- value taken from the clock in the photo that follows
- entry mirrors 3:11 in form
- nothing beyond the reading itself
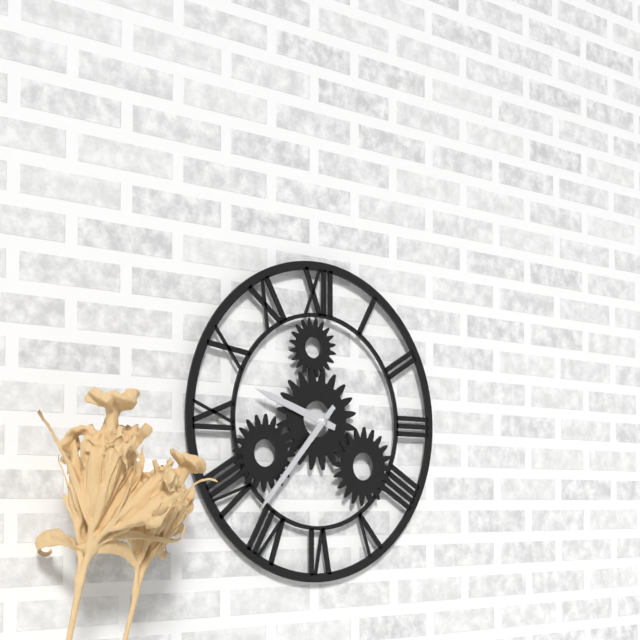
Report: 9:37
